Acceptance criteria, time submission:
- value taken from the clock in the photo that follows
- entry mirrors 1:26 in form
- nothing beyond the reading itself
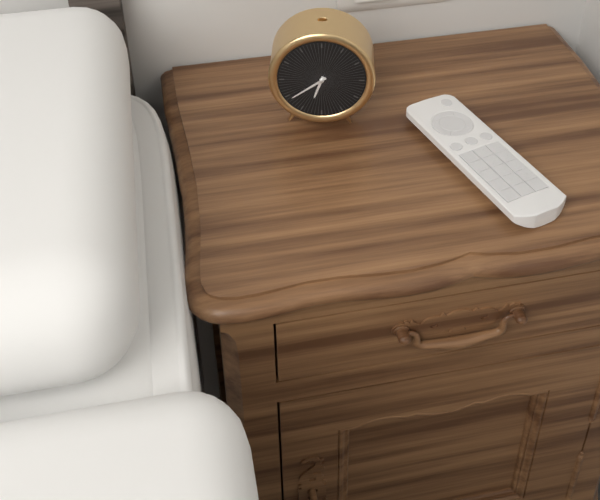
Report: 6:39
